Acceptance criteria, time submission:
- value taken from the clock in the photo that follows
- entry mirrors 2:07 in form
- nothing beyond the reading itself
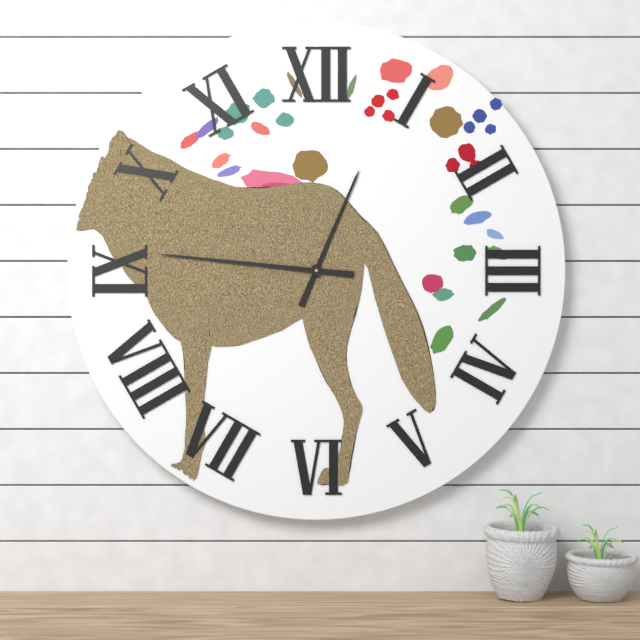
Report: 12:46
